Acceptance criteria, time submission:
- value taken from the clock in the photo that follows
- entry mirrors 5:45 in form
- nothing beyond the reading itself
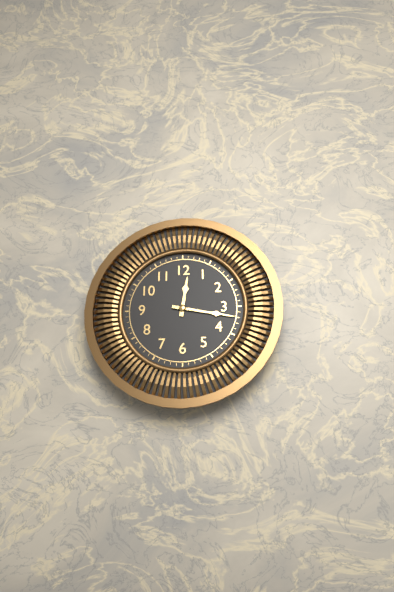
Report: 12:17
